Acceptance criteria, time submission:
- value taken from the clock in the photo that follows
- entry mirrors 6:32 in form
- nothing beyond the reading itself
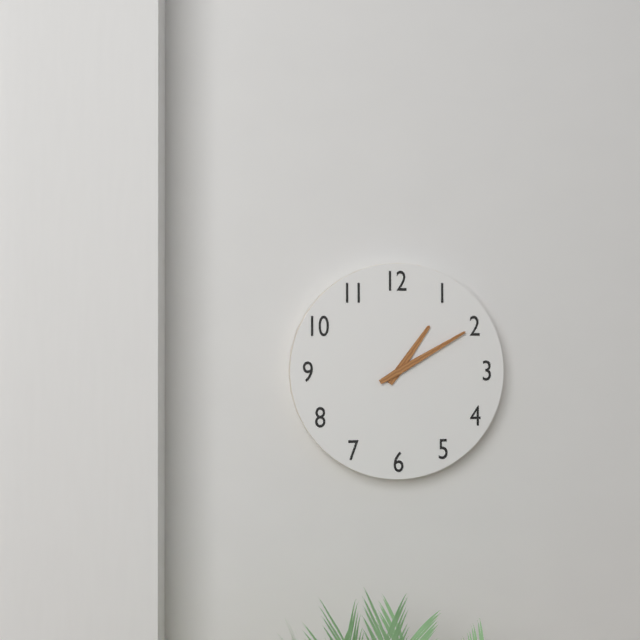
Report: 1:10
